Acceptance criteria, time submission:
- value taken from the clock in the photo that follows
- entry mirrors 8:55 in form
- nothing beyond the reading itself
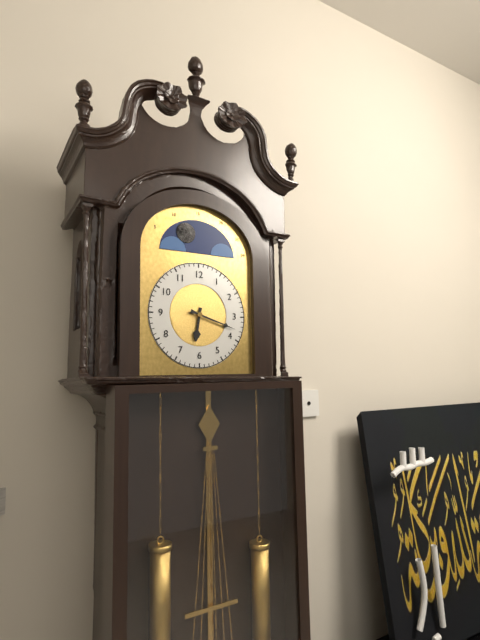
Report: 6:18
